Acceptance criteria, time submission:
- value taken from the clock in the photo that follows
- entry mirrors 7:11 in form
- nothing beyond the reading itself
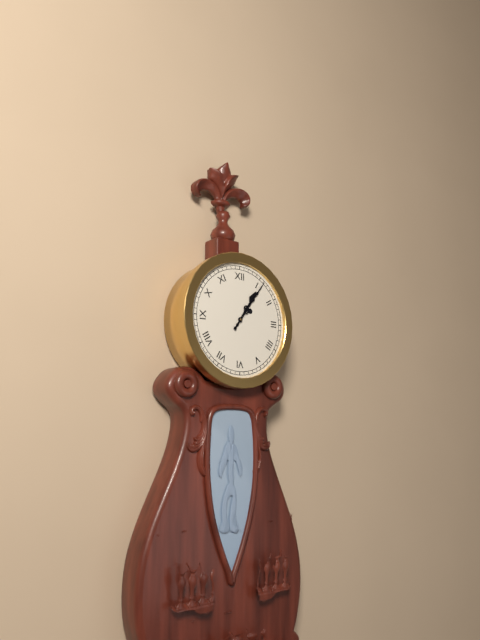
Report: 1:06
